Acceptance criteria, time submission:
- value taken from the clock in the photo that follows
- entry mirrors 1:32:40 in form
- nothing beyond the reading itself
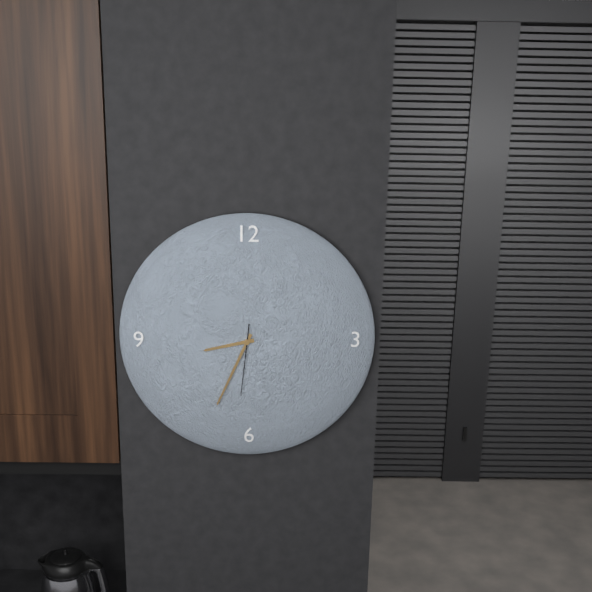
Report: 8:34:31
